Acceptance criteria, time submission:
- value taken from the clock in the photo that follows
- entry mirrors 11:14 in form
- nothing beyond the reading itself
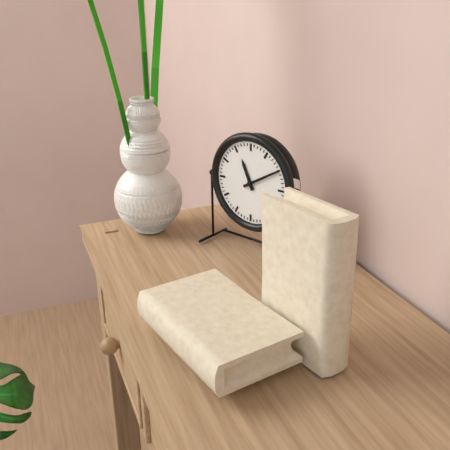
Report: 11:10
